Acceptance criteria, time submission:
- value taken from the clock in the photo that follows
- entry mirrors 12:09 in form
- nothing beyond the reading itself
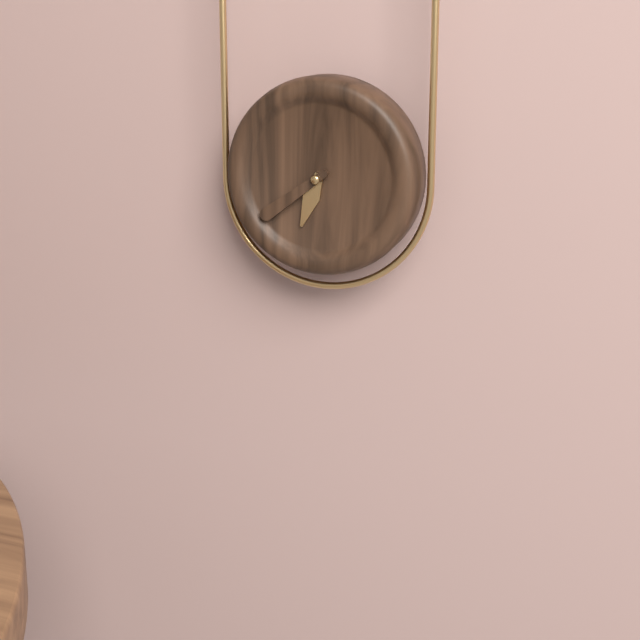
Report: 6:39
